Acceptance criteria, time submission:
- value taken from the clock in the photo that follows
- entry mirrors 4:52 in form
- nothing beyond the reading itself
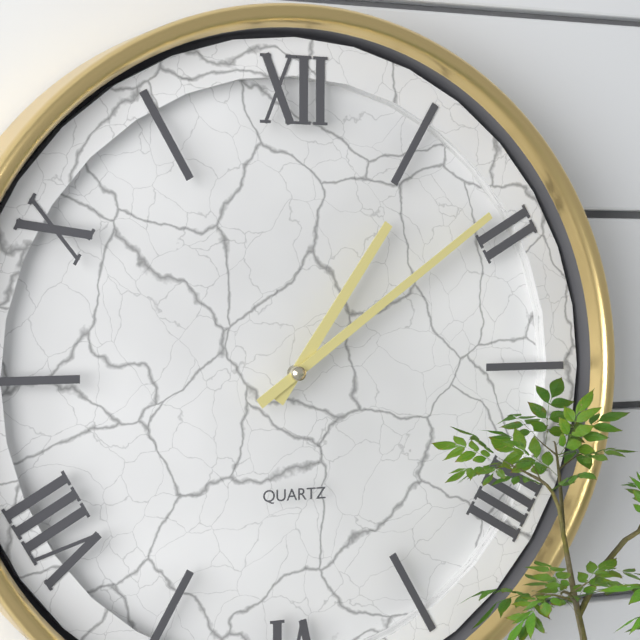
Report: 1:09
